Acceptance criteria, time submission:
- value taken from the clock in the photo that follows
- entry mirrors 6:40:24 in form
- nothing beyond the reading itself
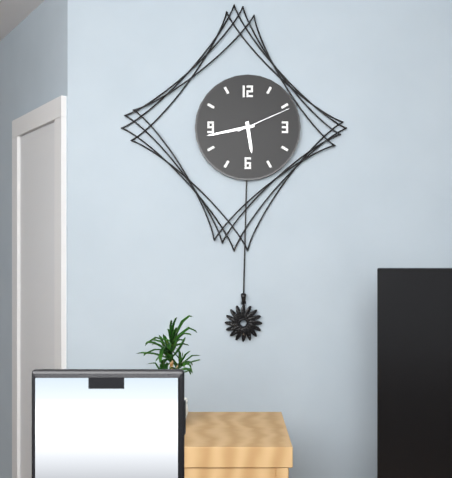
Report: 5:43:11
